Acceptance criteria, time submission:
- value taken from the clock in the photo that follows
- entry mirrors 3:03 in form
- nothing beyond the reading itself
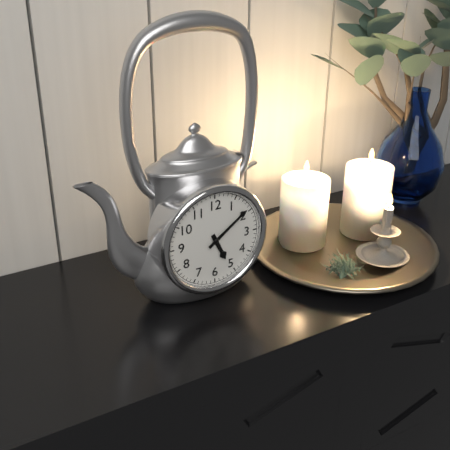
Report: 5:09
